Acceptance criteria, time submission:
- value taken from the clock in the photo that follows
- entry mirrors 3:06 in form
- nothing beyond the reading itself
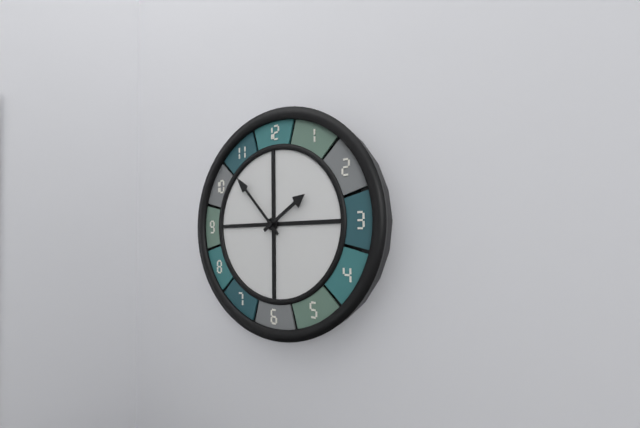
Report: 1:53
